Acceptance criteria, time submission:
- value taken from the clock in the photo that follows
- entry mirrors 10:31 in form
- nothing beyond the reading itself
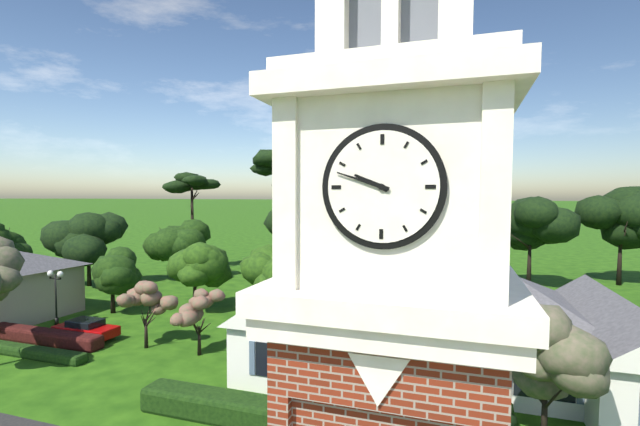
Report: 9:48
